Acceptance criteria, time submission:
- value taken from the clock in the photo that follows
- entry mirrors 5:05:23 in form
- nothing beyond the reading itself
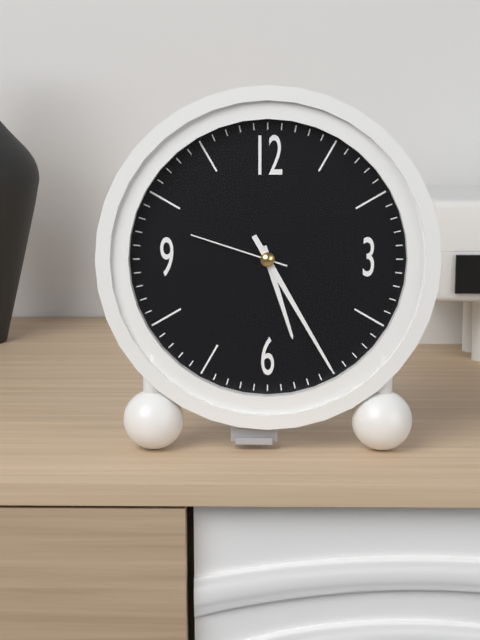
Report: 5:25:48
